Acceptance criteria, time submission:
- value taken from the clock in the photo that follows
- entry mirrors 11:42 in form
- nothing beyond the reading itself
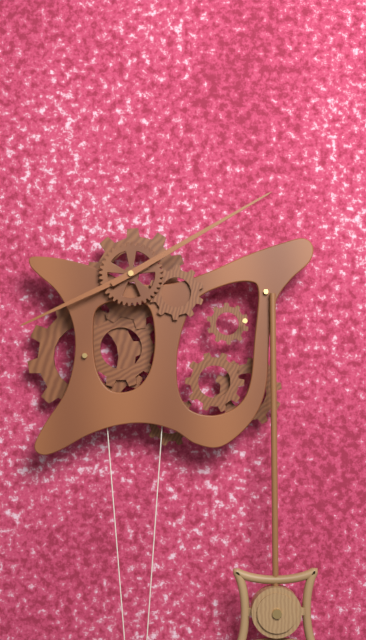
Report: 8:10
